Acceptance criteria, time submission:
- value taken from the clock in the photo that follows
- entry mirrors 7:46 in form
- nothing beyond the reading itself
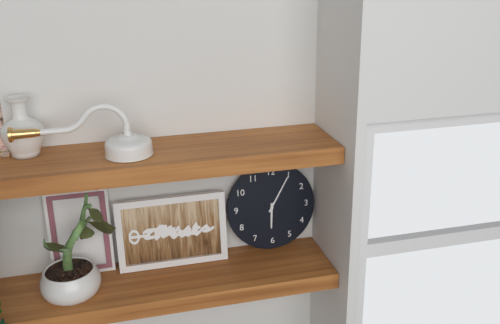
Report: 6:05
